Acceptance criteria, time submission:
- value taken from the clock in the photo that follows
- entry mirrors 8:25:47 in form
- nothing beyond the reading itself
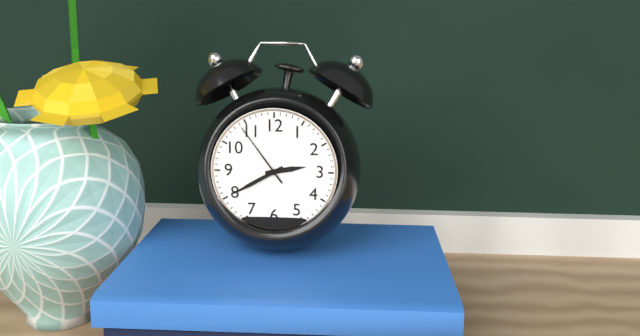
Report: 2:40:54
